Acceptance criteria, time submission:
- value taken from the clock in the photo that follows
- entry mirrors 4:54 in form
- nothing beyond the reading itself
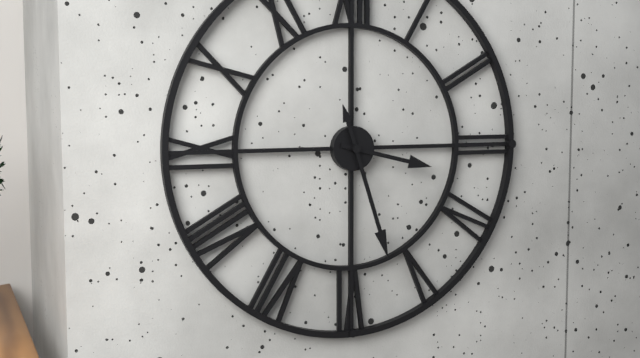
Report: 3:27
